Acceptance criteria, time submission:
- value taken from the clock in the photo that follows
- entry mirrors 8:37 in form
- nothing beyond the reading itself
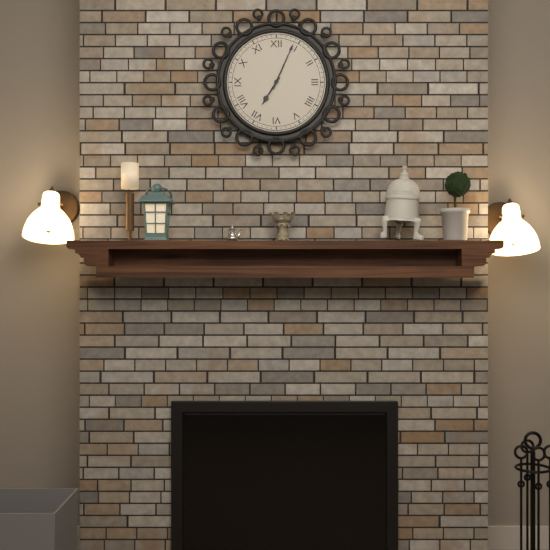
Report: 7:04
